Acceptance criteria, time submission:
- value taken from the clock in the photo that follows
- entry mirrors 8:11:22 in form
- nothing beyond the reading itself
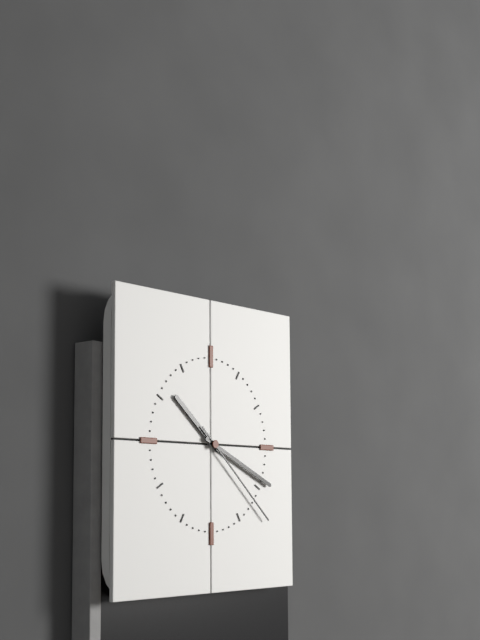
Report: 10:19:22
